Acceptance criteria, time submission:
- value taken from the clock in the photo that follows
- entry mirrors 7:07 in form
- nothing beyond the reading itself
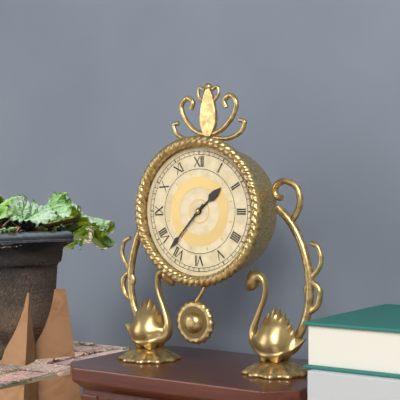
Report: 1:37
